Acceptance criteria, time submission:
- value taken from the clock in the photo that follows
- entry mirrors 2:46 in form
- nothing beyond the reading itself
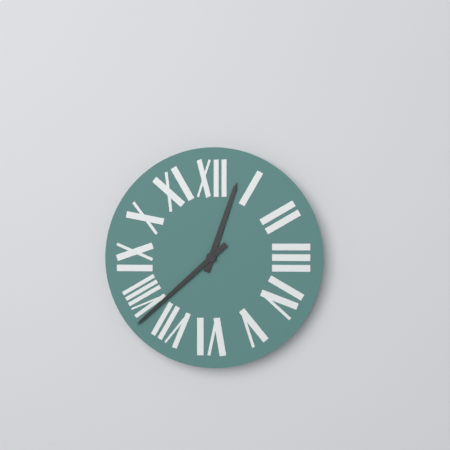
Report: 12:38
